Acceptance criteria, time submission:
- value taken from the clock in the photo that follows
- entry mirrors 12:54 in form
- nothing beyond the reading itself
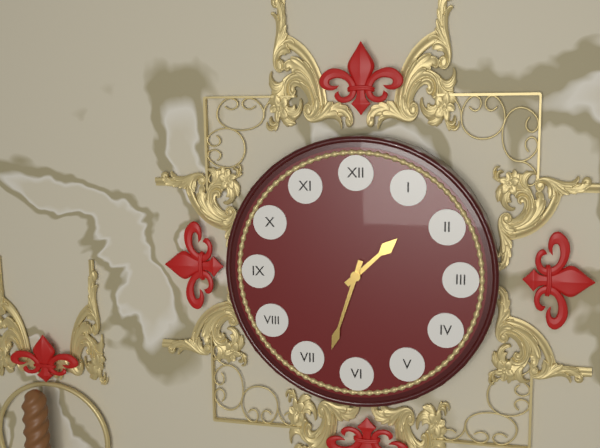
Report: 1:33
